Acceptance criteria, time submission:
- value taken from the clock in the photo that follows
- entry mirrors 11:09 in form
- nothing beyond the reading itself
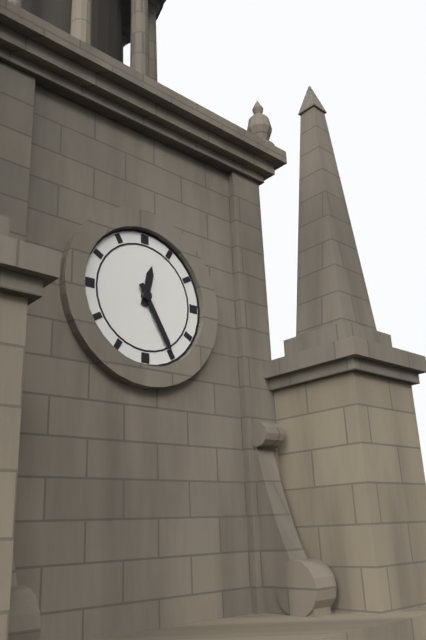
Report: 12:25
